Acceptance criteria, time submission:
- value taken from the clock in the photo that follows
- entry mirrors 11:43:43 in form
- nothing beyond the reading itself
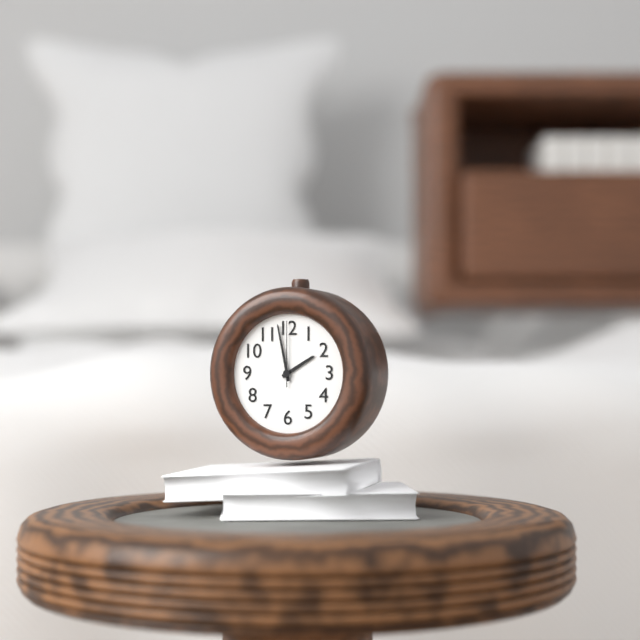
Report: 1:58:00
